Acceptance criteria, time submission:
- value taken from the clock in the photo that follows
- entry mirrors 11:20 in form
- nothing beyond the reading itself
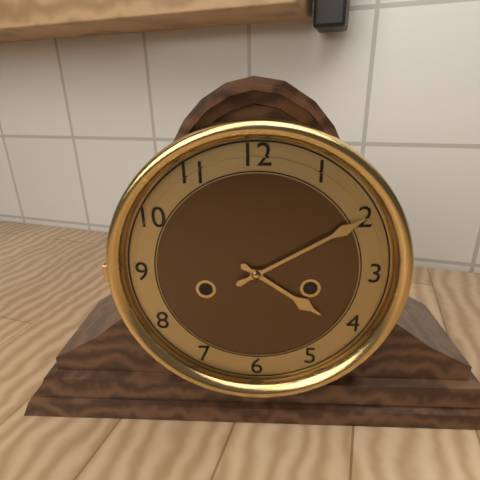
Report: 4:10
